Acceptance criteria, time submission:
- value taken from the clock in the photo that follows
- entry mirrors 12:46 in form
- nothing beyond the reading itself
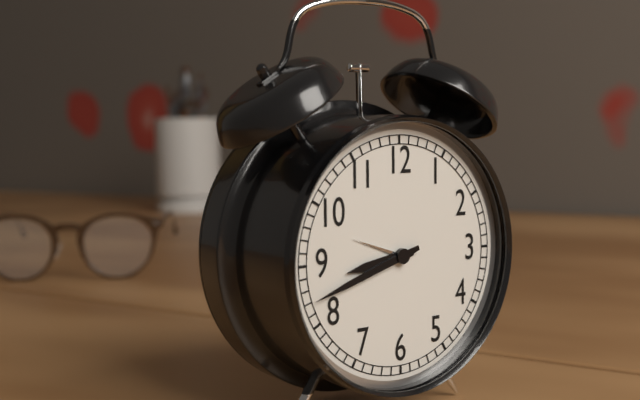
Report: 8:42
